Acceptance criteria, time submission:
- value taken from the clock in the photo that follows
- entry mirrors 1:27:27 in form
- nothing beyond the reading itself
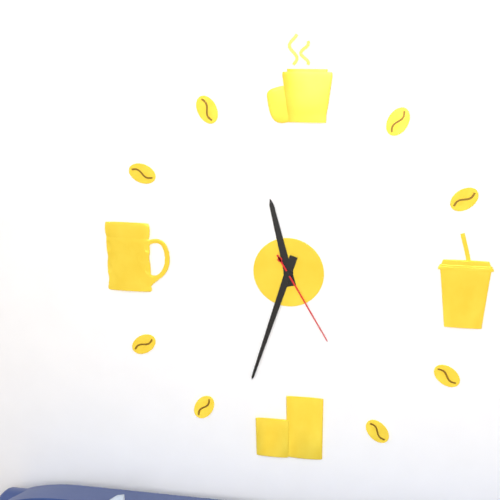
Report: 11:33:25
